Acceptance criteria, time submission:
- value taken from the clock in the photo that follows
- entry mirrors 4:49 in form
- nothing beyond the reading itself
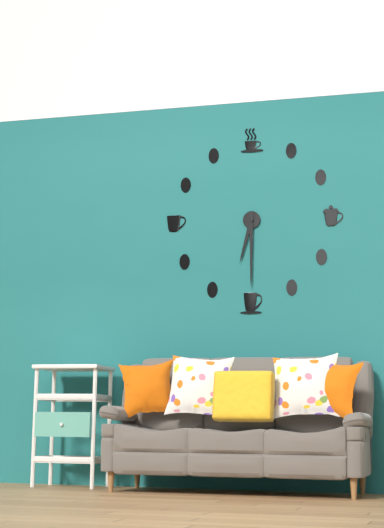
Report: 6:30
